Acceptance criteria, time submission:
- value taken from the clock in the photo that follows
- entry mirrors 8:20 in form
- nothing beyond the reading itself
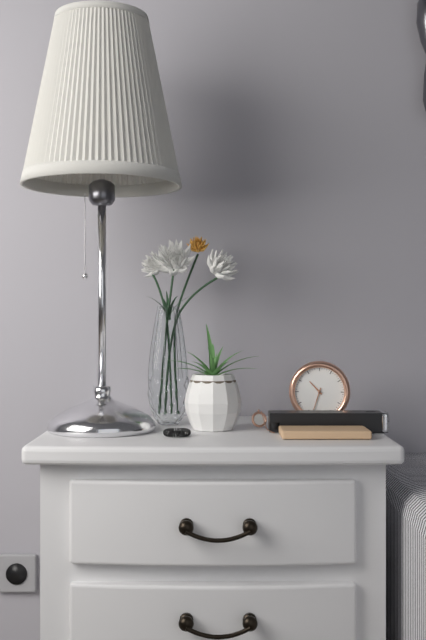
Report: 10:33
